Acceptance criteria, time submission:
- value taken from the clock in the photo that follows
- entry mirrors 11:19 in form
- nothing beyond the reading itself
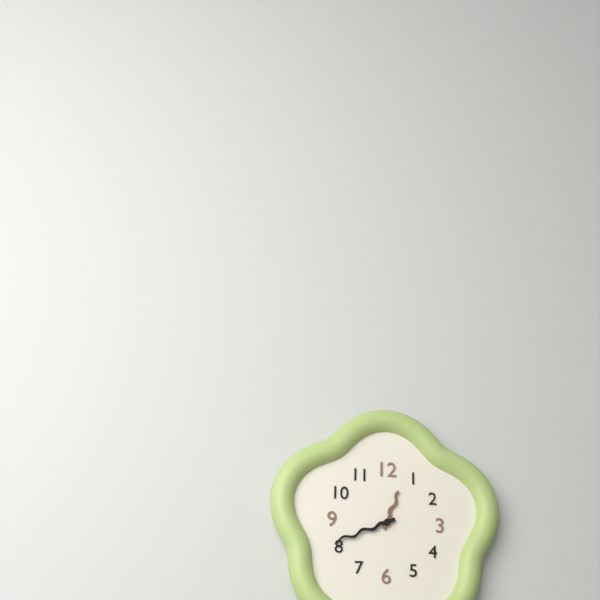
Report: 12:41
